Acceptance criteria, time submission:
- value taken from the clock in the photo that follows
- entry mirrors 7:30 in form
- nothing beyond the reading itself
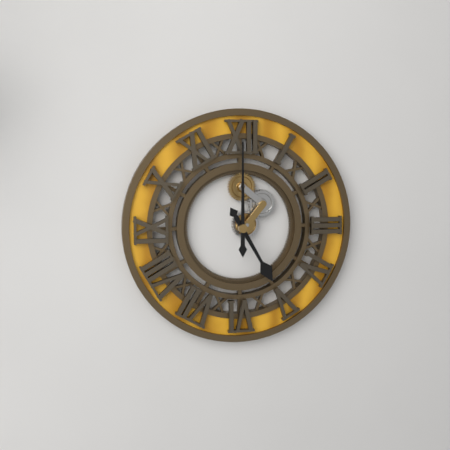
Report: 5:00
